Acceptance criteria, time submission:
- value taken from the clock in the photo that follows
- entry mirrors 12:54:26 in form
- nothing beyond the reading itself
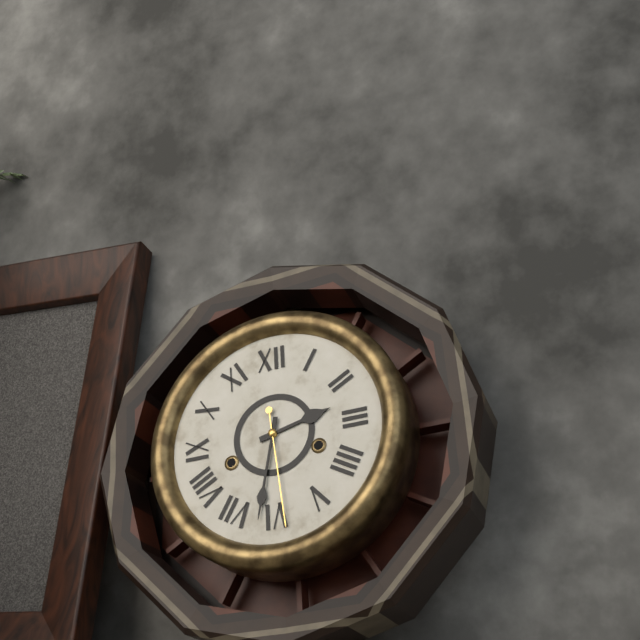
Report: 2:32:29
